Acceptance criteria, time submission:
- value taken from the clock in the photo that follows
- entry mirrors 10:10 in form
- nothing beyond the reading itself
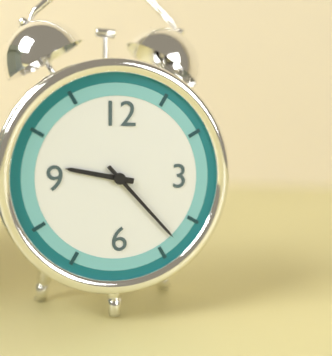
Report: 9:23
